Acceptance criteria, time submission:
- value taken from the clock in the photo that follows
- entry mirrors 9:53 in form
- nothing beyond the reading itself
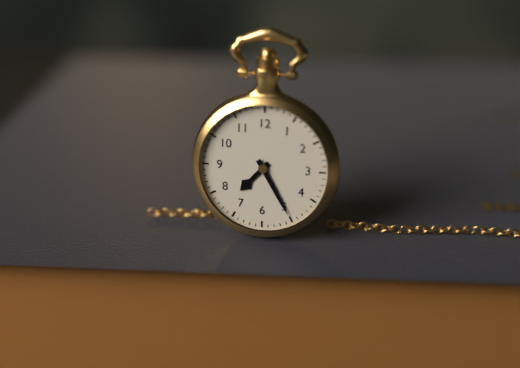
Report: 7:25
